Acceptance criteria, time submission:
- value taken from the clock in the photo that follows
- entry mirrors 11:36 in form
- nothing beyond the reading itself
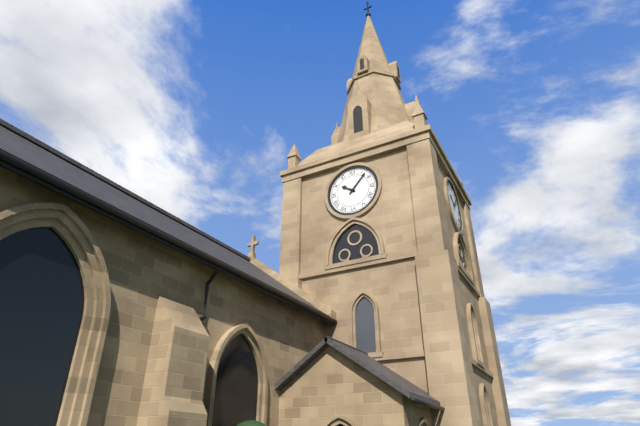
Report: 10:07
